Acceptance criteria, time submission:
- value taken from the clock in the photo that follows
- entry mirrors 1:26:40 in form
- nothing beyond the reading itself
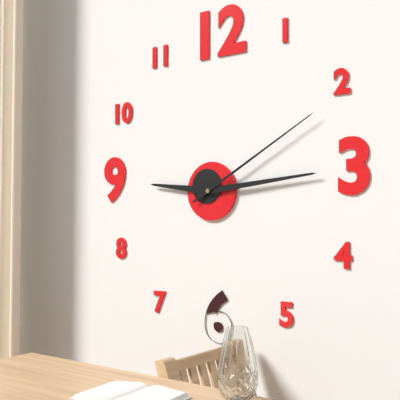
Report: 9:14:10
